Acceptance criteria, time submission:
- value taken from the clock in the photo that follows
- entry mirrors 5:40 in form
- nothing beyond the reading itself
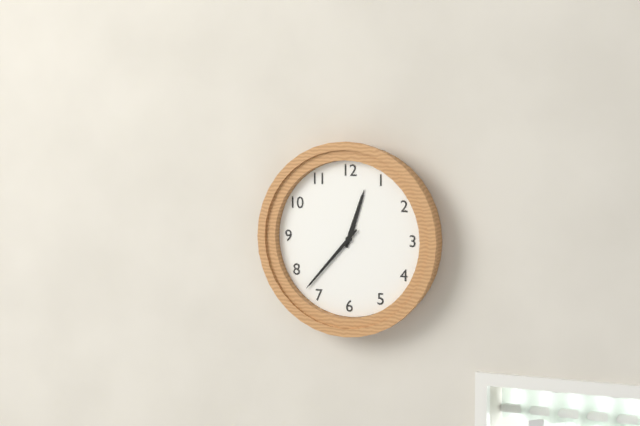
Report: 12:37
